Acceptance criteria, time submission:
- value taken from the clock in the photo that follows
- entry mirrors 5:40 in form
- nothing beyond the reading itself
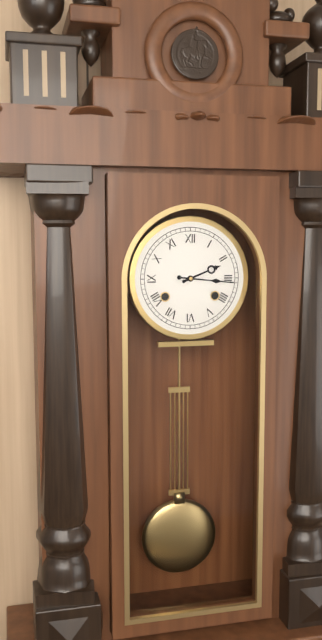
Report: 2:16
